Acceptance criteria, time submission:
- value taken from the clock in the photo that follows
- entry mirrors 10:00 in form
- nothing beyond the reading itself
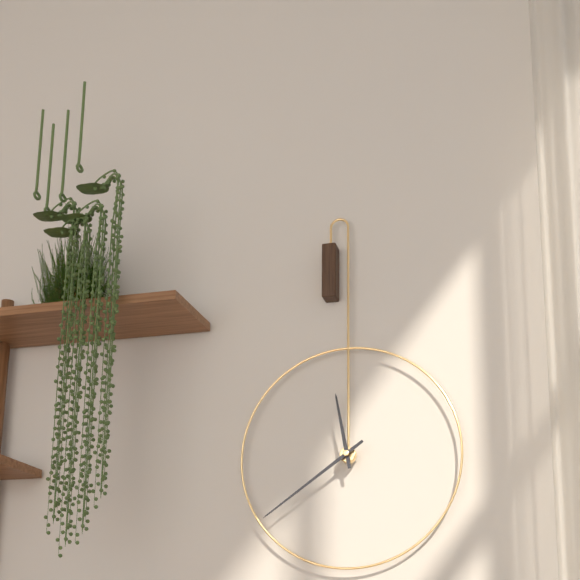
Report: 11:39
